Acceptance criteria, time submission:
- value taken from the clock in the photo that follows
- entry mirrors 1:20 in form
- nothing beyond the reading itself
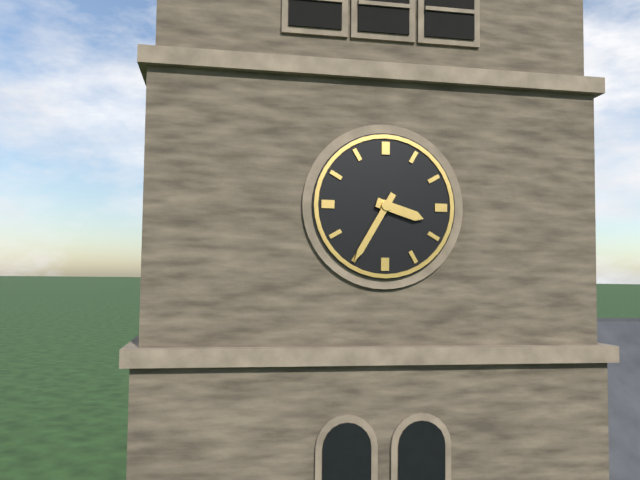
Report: 3:35
